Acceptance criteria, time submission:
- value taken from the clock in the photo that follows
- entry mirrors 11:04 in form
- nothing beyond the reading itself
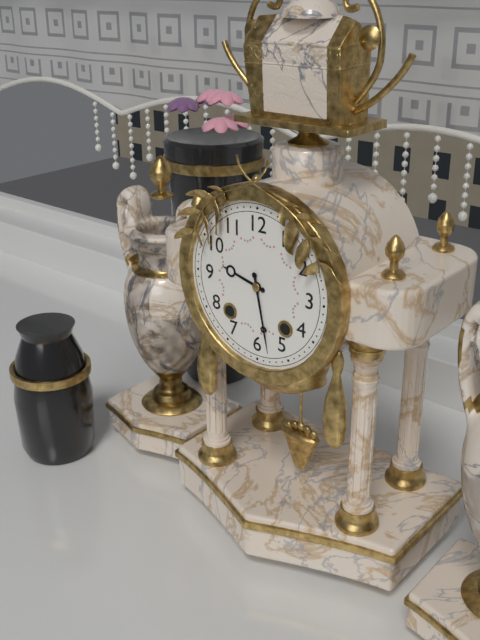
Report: 9:28
